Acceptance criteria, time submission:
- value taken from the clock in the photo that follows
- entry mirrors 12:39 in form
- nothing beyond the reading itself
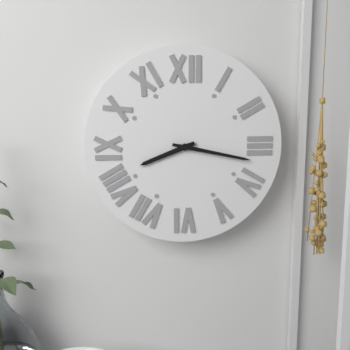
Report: 8:17
